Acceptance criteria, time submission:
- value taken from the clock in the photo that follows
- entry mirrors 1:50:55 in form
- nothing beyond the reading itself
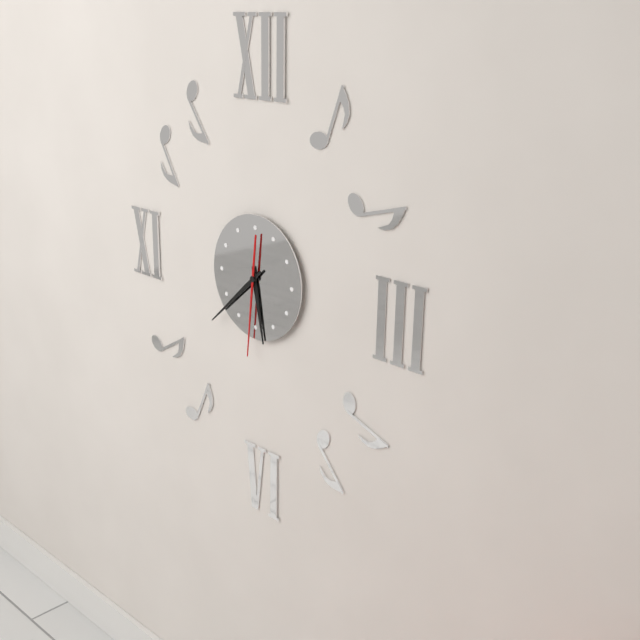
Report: 5:38:31
